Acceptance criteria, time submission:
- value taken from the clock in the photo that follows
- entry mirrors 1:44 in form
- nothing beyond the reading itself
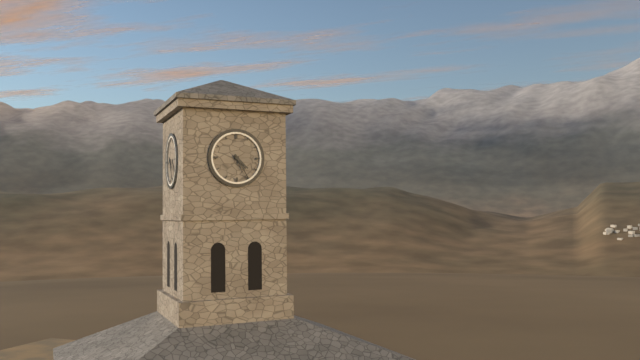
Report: 4:25
